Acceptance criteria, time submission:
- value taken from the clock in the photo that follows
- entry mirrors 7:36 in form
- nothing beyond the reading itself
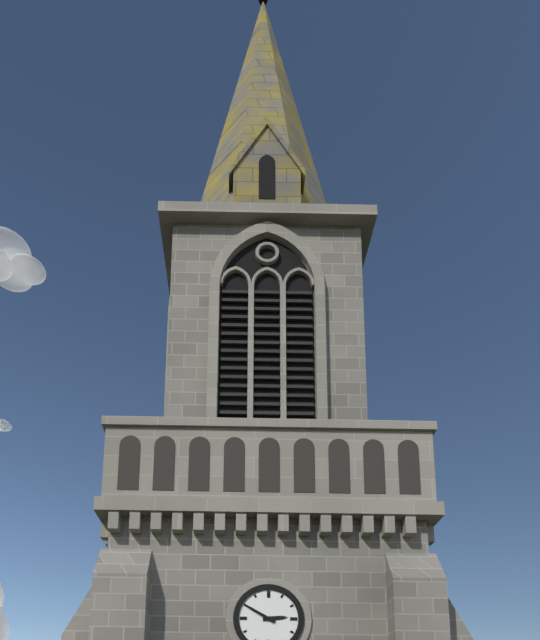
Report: 2:50
